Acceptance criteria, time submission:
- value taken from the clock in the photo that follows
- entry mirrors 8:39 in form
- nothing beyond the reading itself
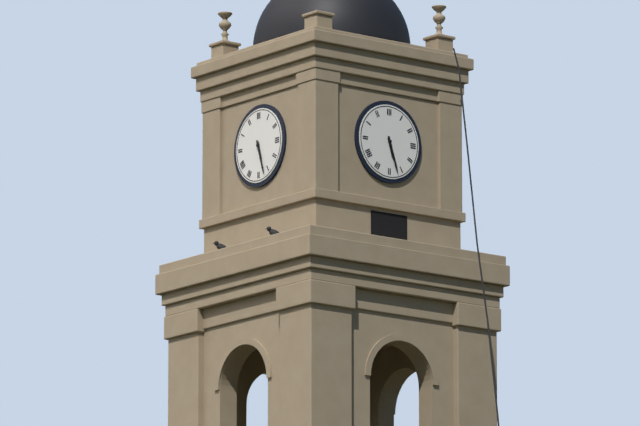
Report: 5:27
